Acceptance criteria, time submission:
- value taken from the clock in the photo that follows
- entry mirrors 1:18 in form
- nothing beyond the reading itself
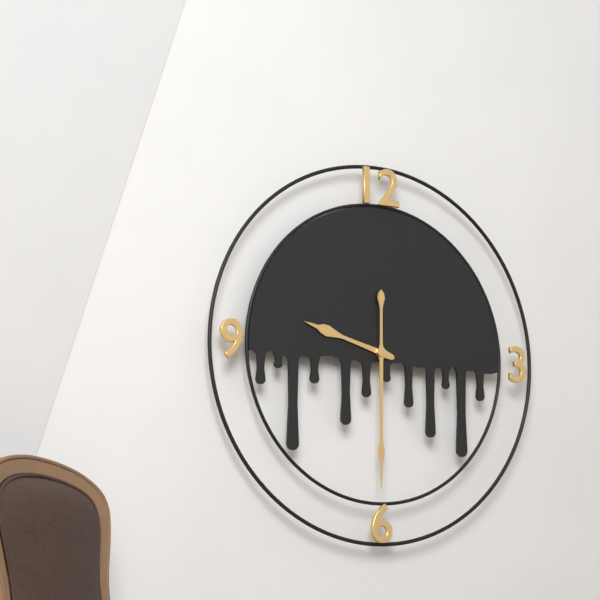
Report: 9:30
